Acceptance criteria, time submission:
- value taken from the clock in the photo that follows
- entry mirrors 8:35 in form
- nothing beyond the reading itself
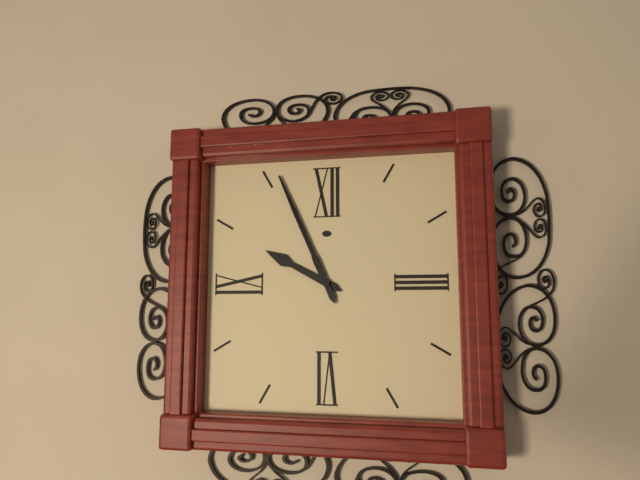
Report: 9:56
